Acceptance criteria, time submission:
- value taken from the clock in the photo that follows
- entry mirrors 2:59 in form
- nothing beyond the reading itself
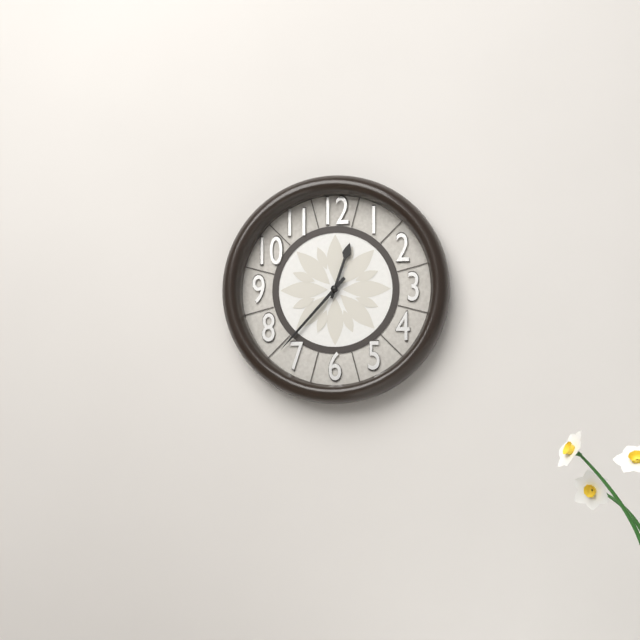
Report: 12:37
